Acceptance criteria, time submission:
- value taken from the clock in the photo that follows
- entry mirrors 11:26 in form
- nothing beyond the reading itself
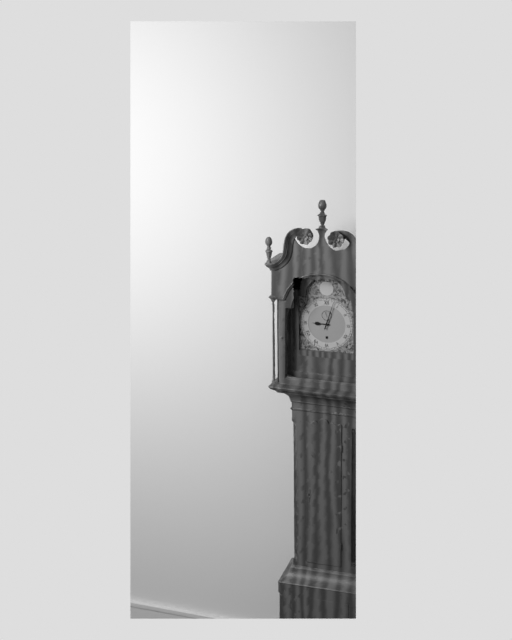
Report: 9:03
